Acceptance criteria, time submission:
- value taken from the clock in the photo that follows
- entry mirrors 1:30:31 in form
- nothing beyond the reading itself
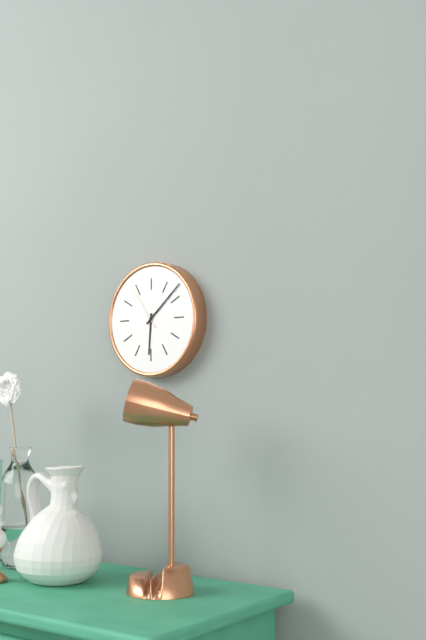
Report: 6:08:54
